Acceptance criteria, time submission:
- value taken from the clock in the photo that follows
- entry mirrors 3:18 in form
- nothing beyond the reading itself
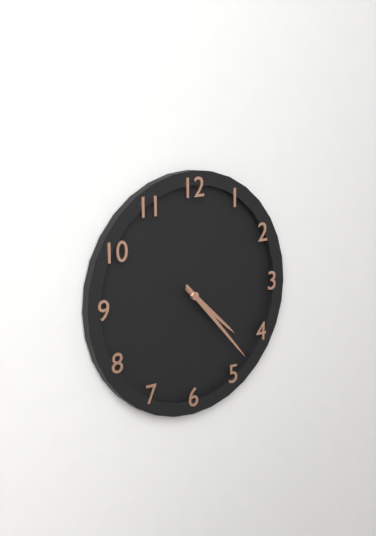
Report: 4:23
